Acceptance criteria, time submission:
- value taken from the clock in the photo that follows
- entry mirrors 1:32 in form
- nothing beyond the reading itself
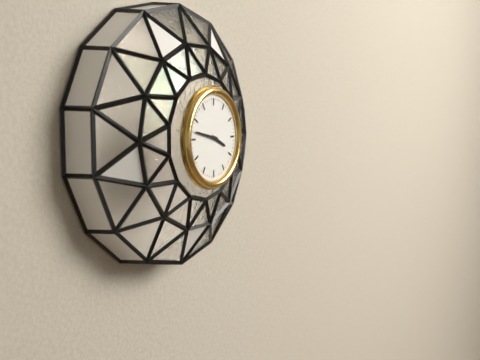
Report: 3:47
